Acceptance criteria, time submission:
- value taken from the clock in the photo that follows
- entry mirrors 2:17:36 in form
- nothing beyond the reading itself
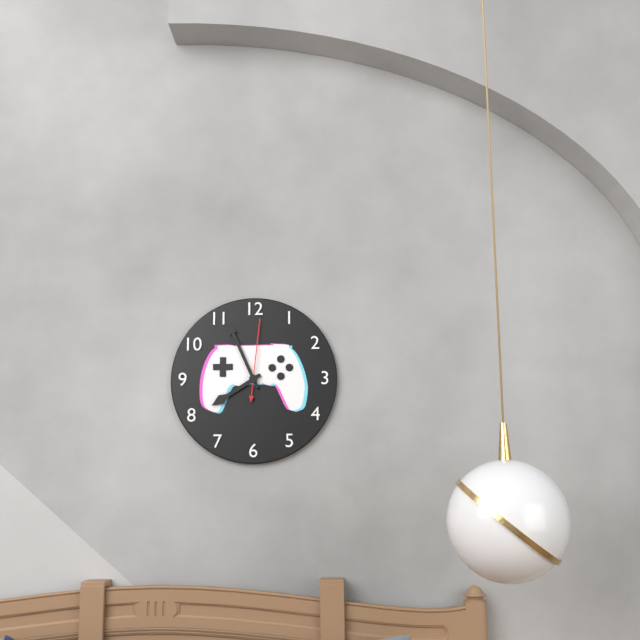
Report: 7:56:01
